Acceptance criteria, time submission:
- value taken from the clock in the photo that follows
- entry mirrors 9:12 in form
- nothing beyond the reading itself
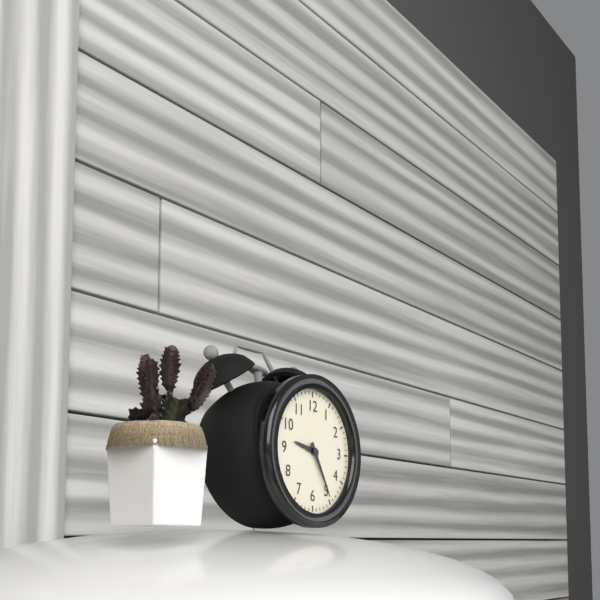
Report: 9:25
